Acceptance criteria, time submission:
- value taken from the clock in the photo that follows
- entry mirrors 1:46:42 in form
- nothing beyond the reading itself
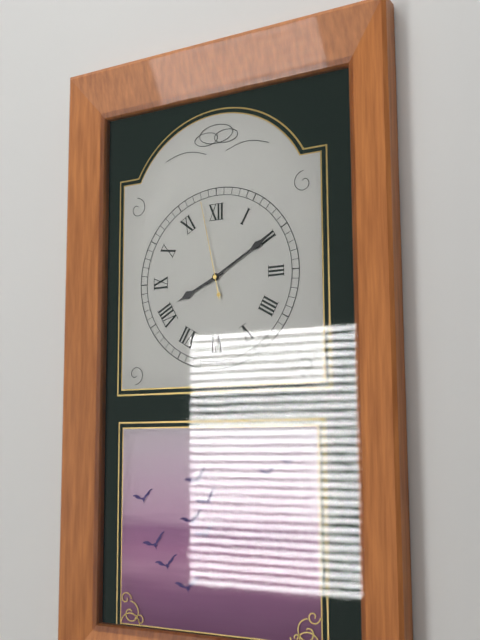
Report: 8:10:58
